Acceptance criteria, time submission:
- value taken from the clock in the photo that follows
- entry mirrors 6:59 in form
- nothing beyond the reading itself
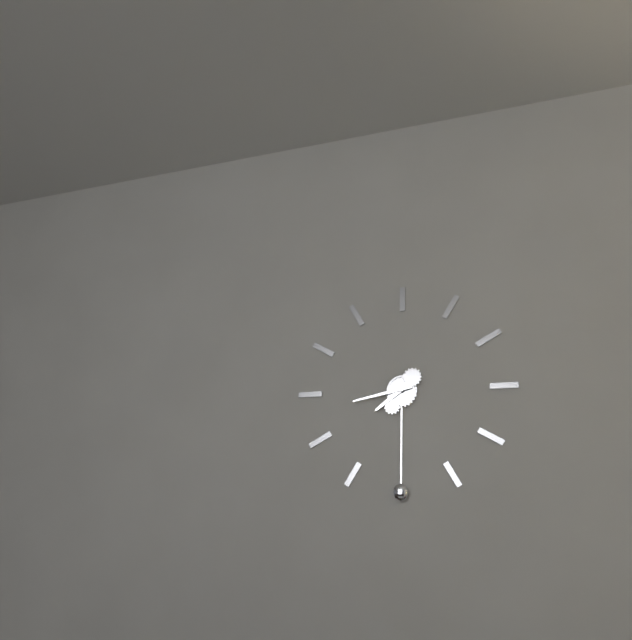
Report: 7:43
